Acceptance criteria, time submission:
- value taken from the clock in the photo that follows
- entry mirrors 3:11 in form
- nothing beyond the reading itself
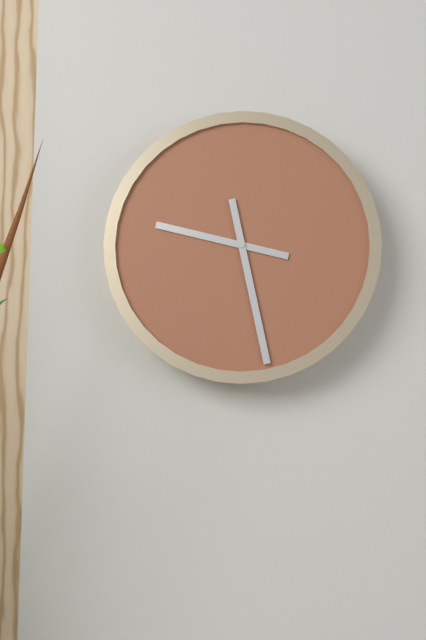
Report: 9:28
